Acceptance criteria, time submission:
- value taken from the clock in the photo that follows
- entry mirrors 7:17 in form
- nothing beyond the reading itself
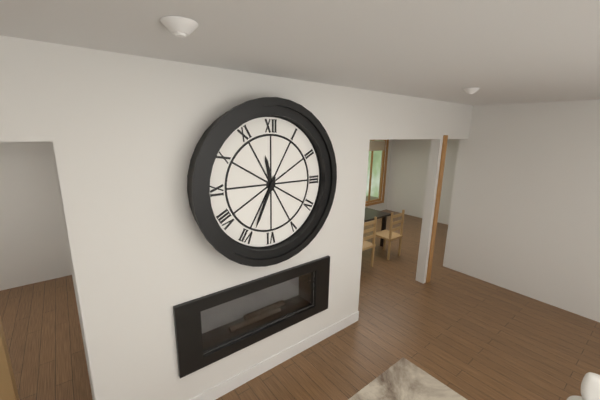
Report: 11:34
